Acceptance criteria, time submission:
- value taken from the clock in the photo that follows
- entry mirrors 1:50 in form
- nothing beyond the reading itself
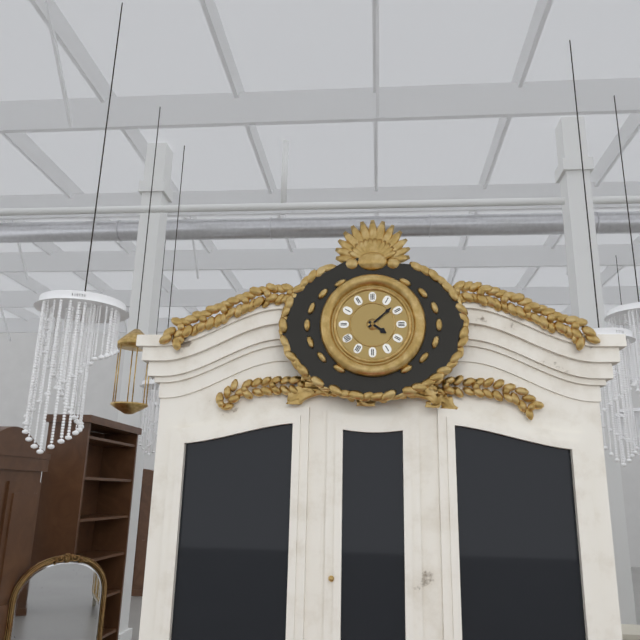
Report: 4:08
